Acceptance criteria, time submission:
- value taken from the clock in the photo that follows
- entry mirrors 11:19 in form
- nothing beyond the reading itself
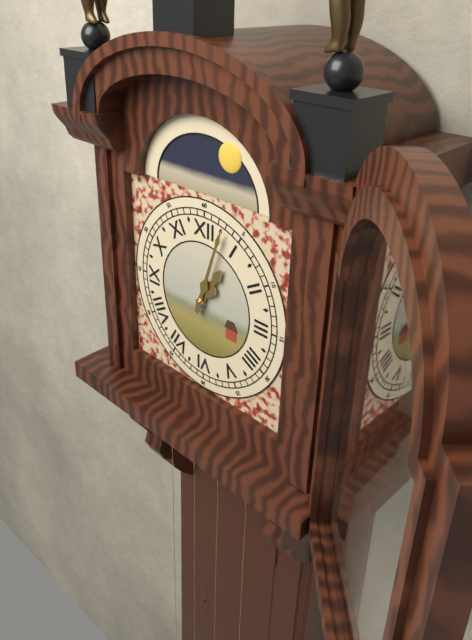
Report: 1:03
